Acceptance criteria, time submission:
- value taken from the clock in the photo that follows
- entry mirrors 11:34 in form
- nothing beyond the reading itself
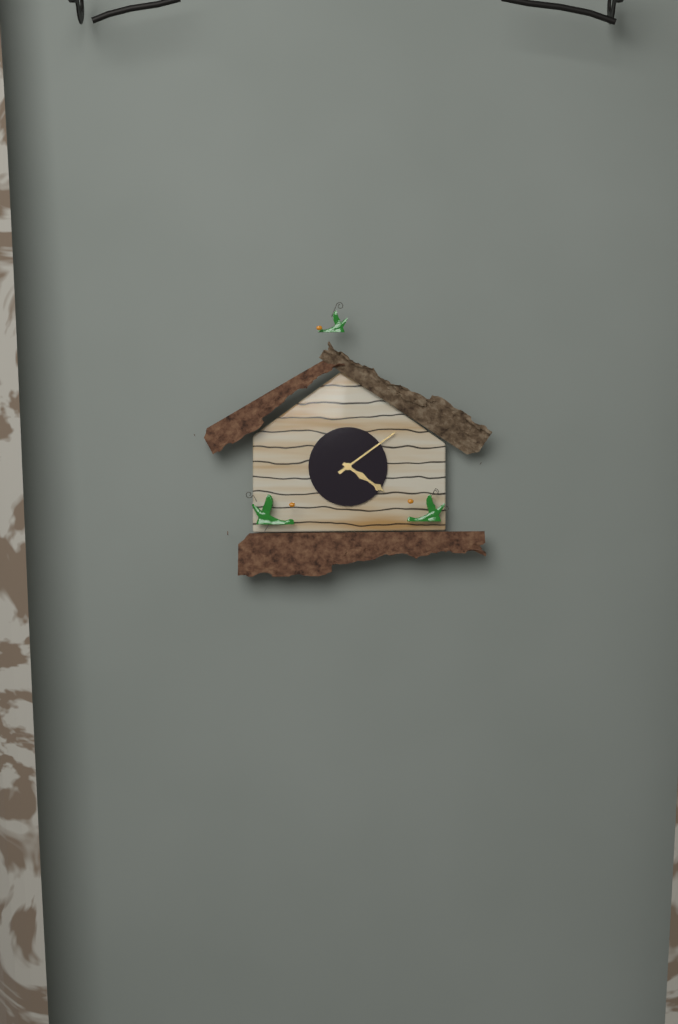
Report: 4:09
